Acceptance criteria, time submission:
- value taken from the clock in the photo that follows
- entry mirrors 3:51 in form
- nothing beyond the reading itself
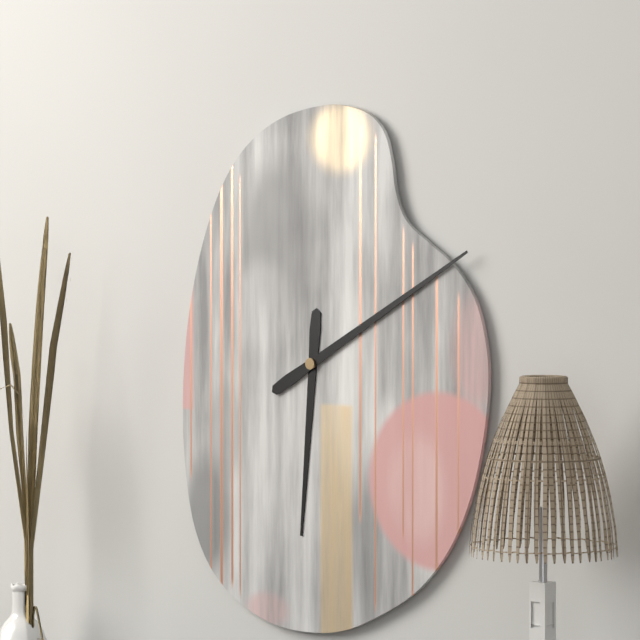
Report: 6:10
